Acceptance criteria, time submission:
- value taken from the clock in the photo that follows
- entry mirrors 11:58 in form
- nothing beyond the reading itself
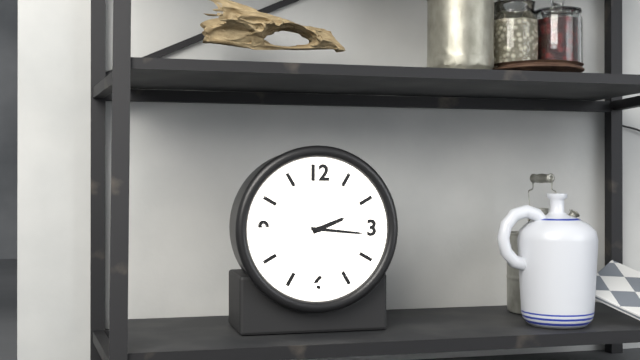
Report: 2:16
